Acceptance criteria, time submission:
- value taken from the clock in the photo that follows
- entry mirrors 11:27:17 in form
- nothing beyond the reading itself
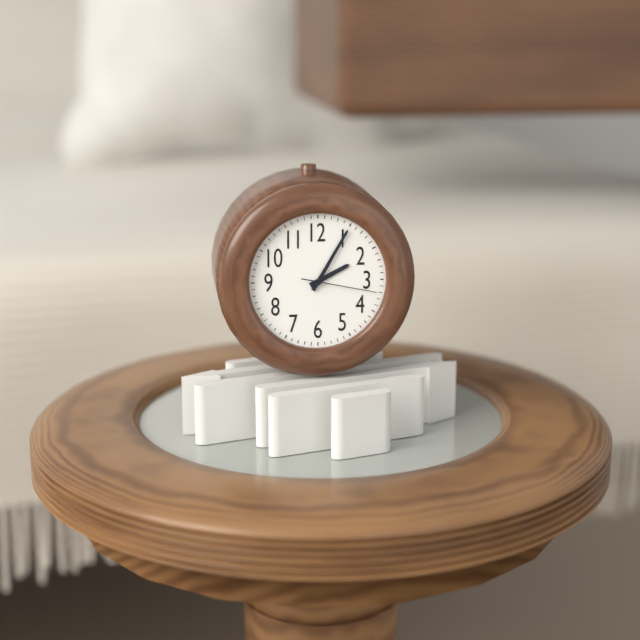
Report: 2:05:17
